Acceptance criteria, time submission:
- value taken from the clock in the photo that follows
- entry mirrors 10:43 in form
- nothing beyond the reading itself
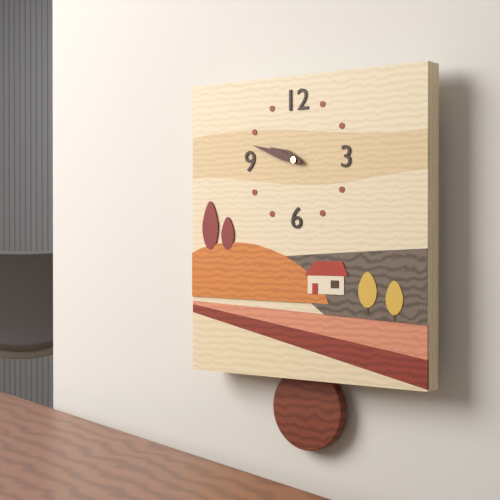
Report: 9:48
